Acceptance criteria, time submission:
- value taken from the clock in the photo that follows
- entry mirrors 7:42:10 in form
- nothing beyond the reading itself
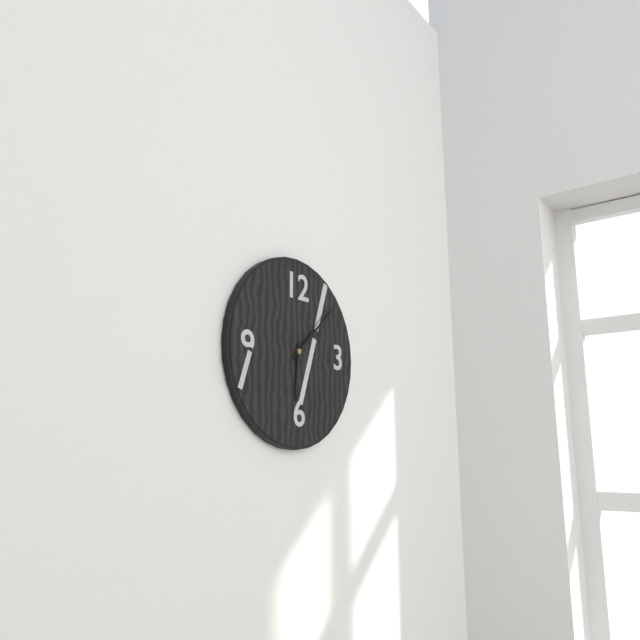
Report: 6:08:07
